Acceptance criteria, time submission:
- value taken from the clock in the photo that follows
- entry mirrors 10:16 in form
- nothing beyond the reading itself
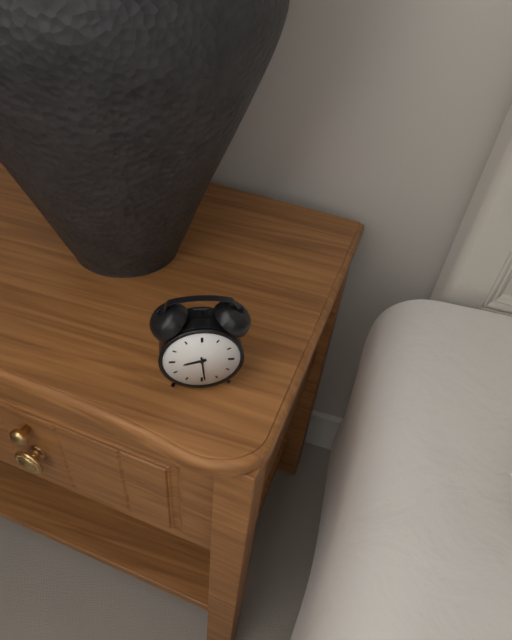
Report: 8:29
